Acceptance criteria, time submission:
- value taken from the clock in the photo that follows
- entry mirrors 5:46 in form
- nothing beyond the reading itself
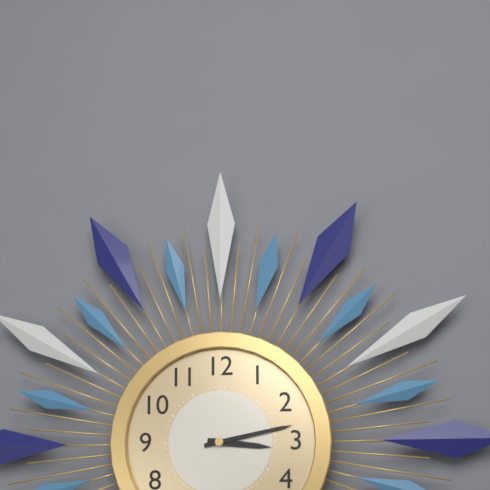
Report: 3:13
